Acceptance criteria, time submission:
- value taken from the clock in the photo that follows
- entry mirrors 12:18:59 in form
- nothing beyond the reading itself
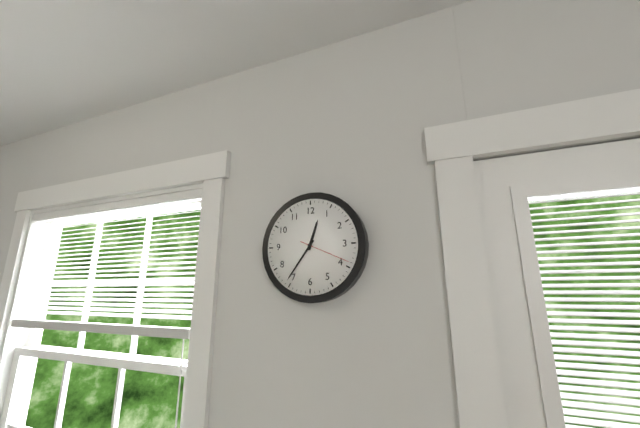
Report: 12:36:19
